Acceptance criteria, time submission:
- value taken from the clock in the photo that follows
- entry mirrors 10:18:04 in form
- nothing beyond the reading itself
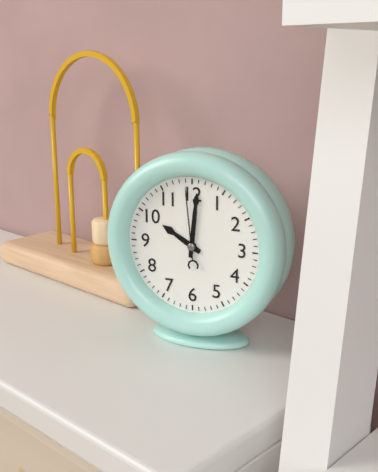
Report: 10:01:59
